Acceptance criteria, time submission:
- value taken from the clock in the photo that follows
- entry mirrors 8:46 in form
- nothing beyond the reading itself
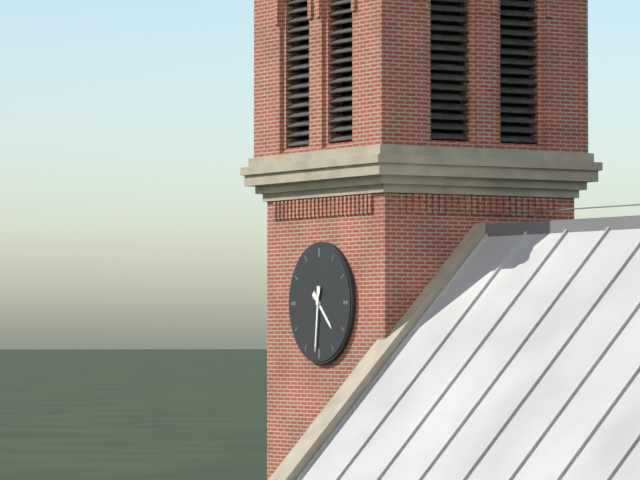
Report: 4:31
